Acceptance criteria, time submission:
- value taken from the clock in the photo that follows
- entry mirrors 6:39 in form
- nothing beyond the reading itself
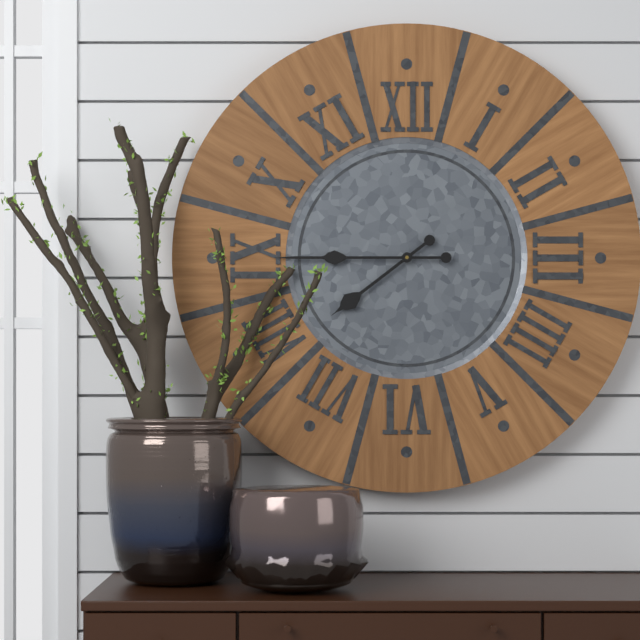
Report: 7:45
